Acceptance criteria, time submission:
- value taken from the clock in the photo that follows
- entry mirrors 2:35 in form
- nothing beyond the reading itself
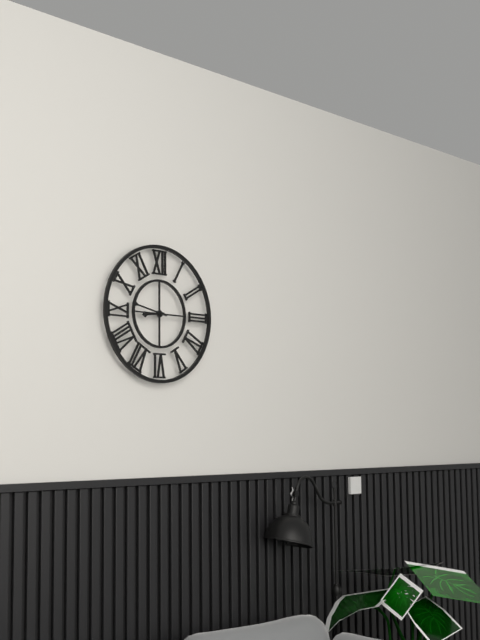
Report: 8:47
